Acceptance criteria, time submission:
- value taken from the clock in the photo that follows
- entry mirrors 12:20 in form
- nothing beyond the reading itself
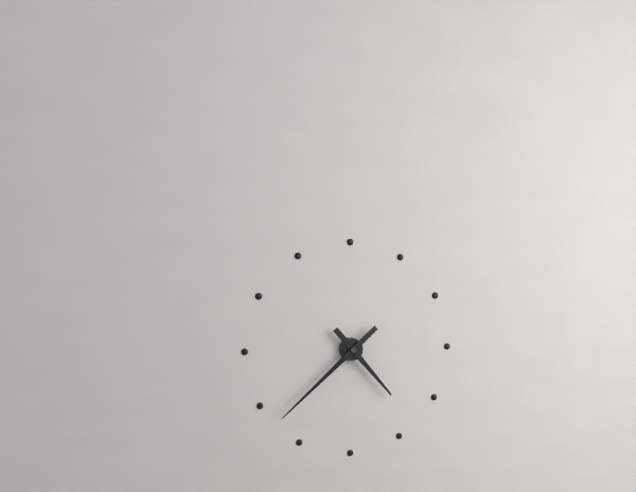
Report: 4:38
